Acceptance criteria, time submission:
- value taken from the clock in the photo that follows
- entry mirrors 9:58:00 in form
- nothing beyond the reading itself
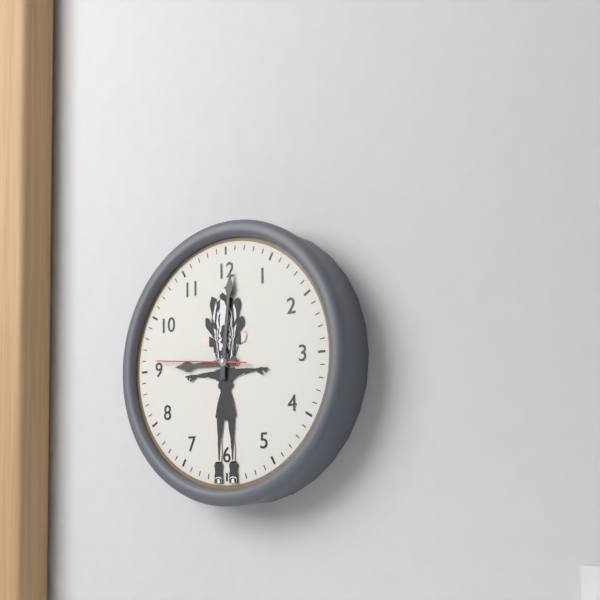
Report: 9:01:46
